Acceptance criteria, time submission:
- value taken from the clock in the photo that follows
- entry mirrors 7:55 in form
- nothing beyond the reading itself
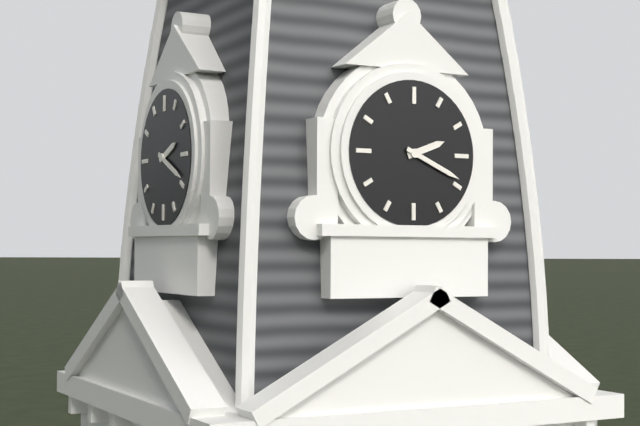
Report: 2:19
